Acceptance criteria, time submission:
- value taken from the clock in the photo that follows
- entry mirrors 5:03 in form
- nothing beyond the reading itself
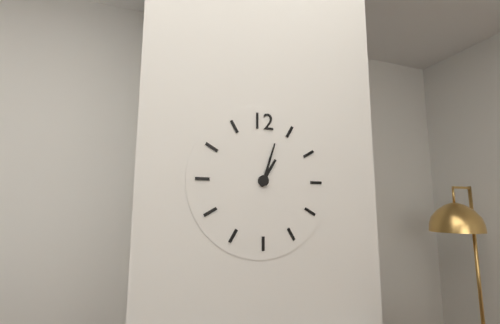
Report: 1:03
